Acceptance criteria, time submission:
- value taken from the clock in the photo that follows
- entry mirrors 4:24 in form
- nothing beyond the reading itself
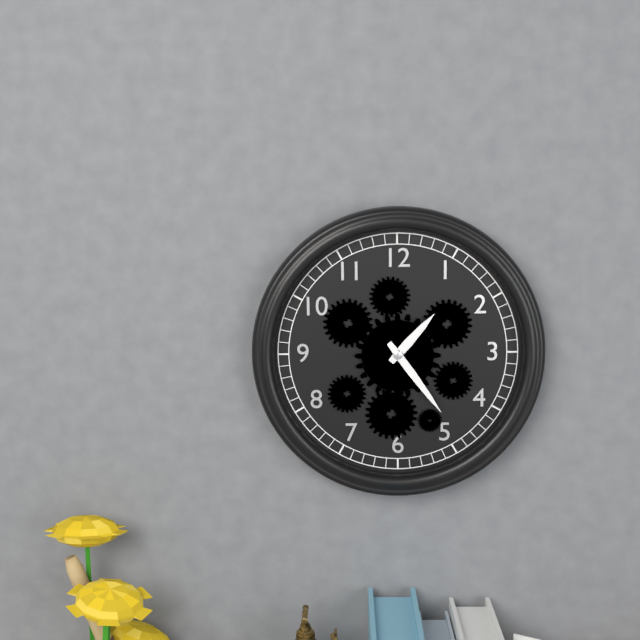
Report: 1:24
